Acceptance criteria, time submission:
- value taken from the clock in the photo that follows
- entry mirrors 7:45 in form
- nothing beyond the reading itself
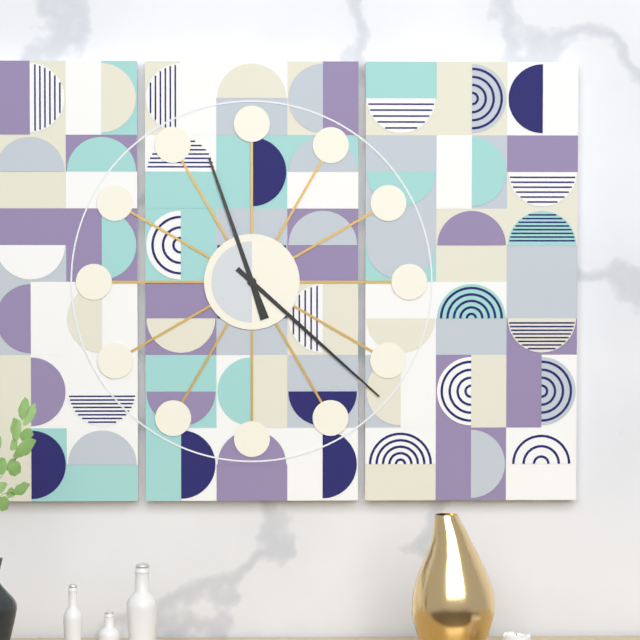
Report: 11:22
